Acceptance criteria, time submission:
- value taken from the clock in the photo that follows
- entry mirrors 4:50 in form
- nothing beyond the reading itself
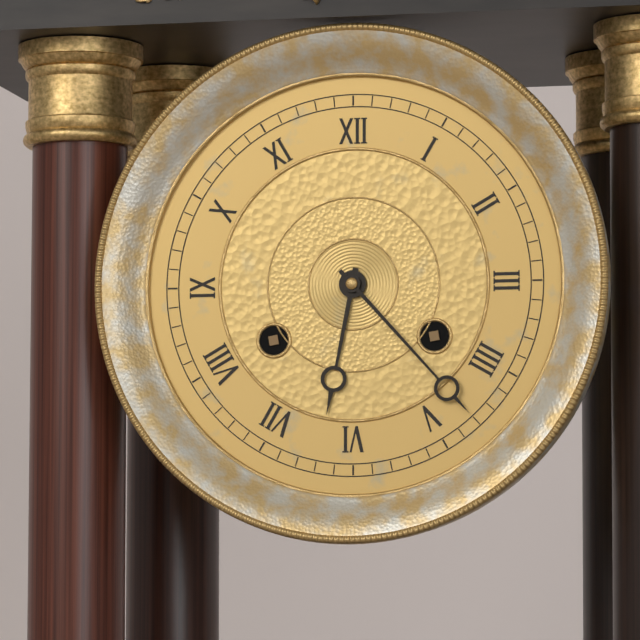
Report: 6:23
